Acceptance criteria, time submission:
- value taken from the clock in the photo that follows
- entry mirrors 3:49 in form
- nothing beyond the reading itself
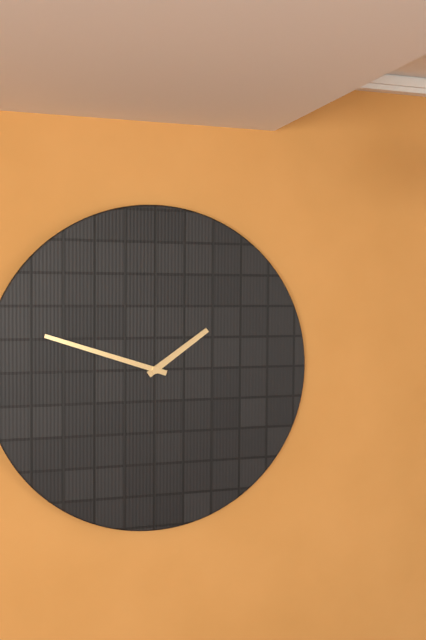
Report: 1:48
